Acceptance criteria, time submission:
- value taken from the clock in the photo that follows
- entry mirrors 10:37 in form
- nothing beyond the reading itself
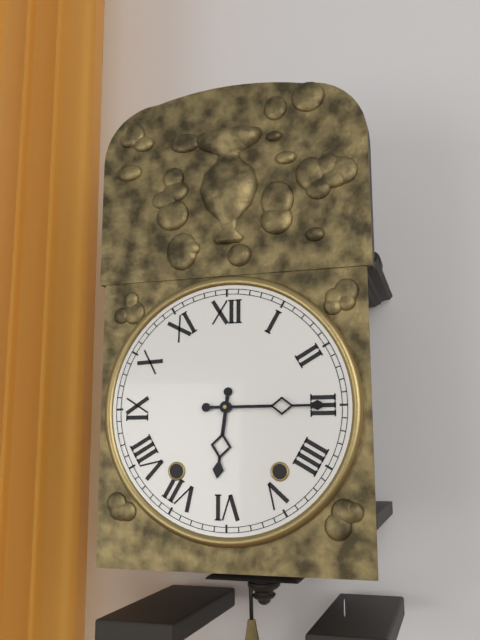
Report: 6:15
